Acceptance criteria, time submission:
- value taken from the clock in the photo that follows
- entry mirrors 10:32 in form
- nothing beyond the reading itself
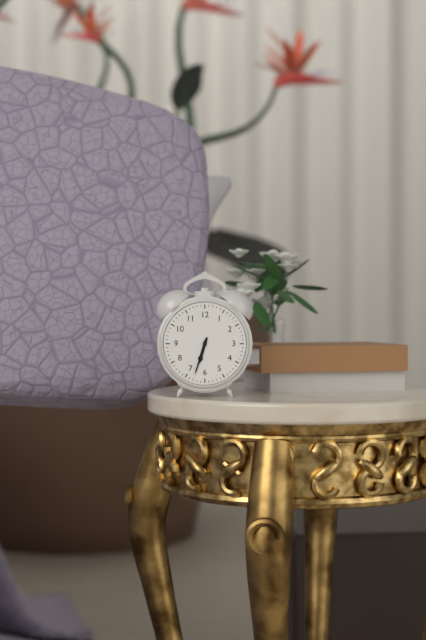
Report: 6:33
